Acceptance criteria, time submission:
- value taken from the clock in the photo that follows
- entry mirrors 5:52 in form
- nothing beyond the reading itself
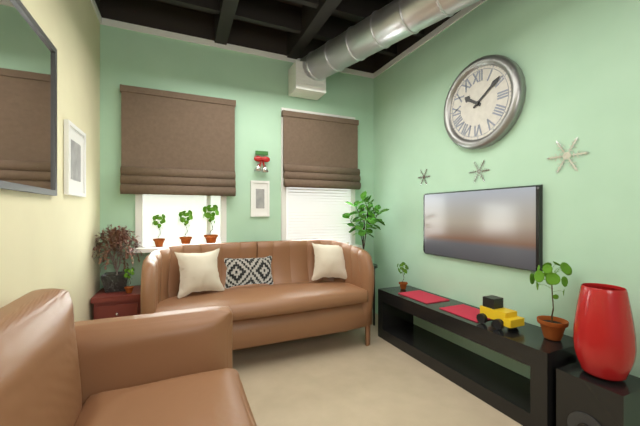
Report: 10:09
